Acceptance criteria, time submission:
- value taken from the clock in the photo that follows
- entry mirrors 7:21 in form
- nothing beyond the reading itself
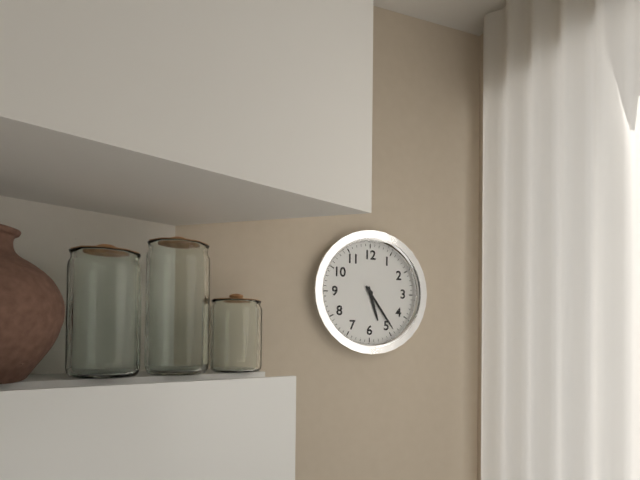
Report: 5:24
